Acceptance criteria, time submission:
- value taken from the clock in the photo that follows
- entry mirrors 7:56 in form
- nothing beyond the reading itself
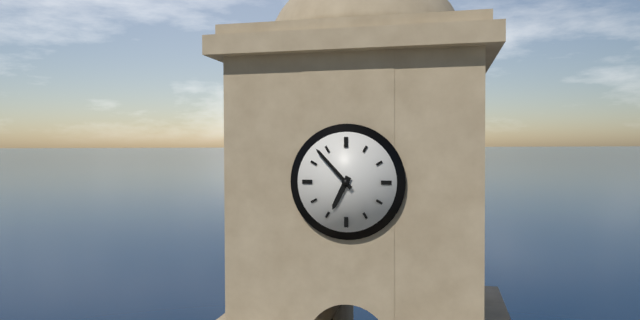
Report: 6:53
